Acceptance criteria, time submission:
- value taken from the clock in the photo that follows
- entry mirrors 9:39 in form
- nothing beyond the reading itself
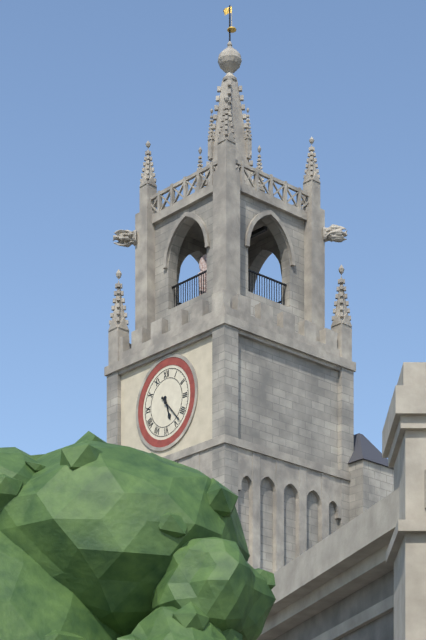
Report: 5:23
